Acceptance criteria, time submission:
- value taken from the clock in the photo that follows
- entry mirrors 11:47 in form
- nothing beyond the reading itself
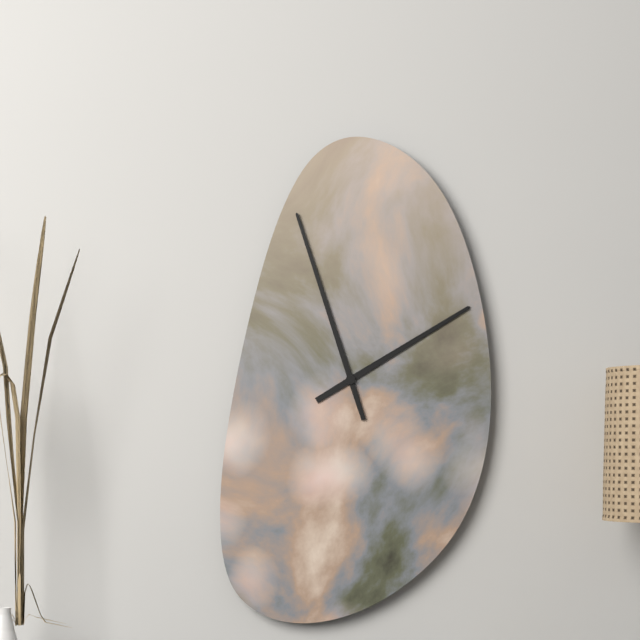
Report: 1:57
